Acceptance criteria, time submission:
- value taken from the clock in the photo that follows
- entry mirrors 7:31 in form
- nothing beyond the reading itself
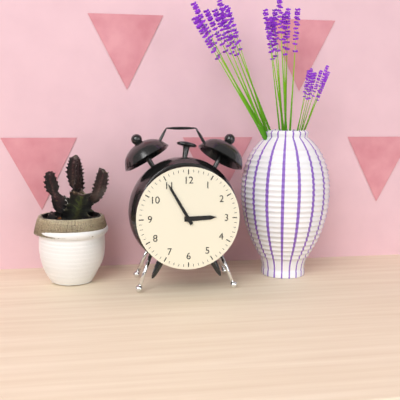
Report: 2:55
